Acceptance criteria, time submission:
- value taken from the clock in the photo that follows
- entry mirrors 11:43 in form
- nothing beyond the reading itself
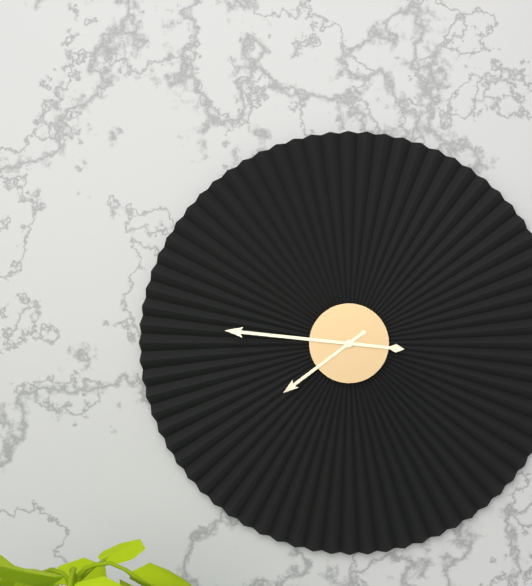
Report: 7:46
